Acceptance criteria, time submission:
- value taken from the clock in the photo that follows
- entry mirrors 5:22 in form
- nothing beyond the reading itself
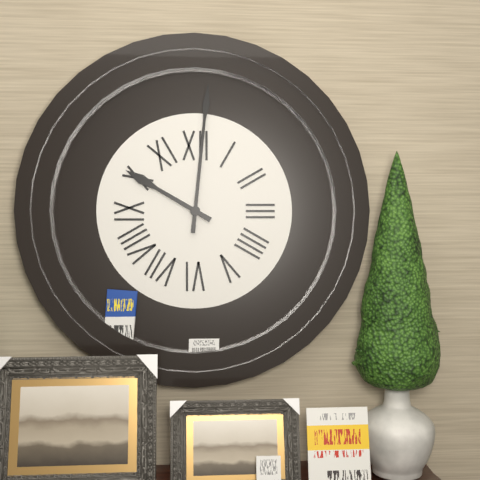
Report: 10:01
